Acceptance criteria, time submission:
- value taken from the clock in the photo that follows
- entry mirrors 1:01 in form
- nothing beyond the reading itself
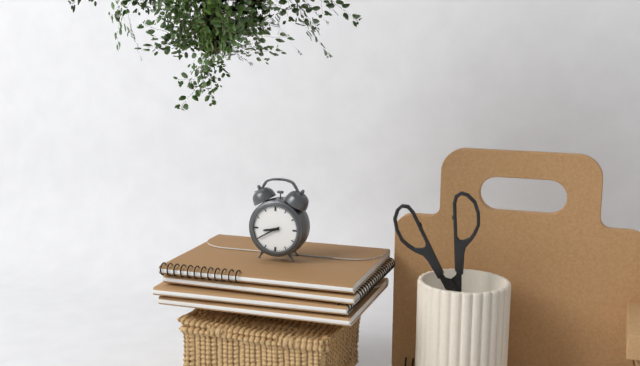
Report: 8:40
